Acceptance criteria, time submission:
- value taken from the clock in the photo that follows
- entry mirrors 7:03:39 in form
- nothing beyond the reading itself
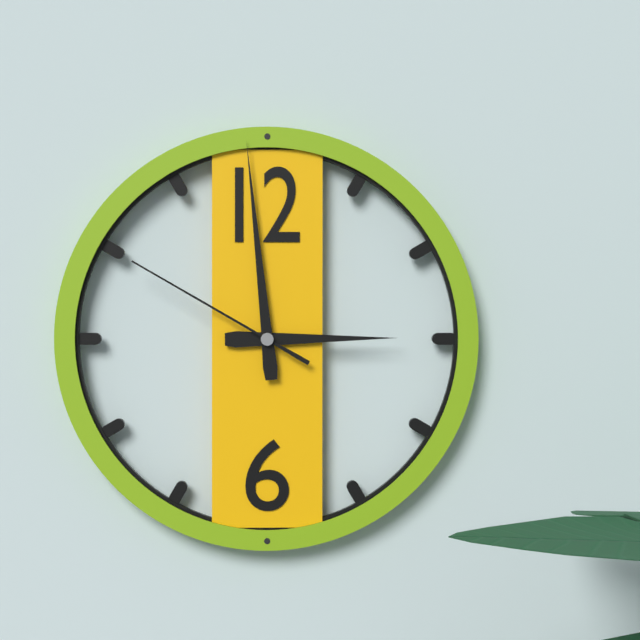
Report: 2:59:50
